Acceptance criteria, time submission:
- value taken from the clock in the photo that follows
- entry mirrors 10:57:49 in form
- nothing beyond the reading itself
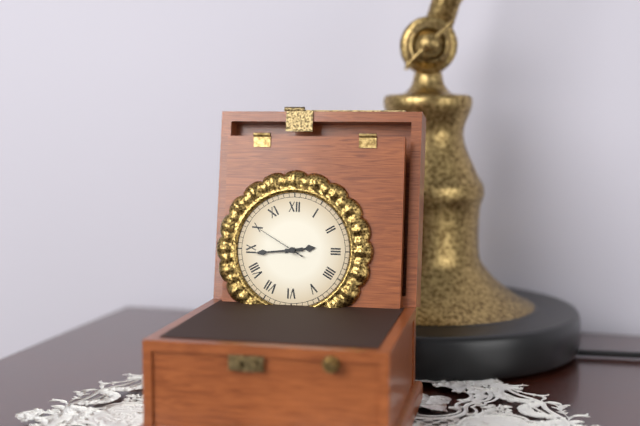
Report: 2:44:50
